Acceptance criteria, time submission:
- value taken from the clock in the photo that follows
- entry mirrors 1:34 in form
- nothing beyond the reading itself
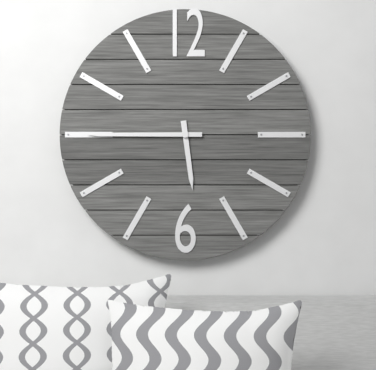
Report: 5:45
